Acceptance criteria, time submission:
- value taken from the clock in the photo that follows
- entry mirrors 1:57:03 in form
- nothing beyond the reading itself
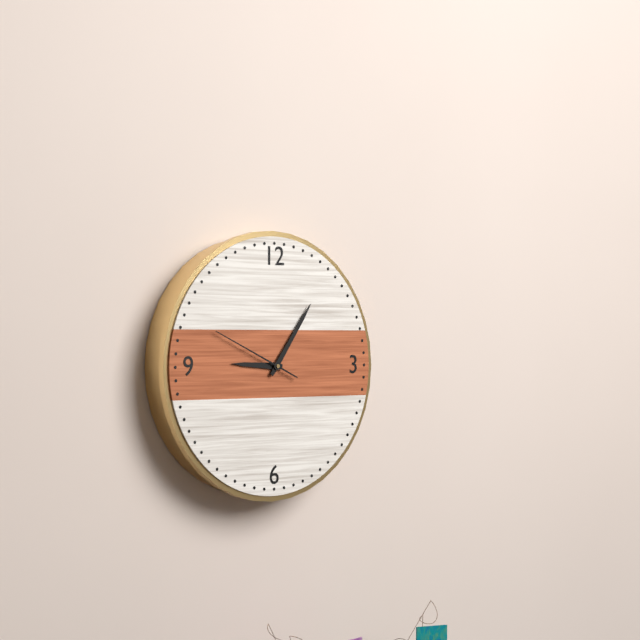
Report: 9:06:49
